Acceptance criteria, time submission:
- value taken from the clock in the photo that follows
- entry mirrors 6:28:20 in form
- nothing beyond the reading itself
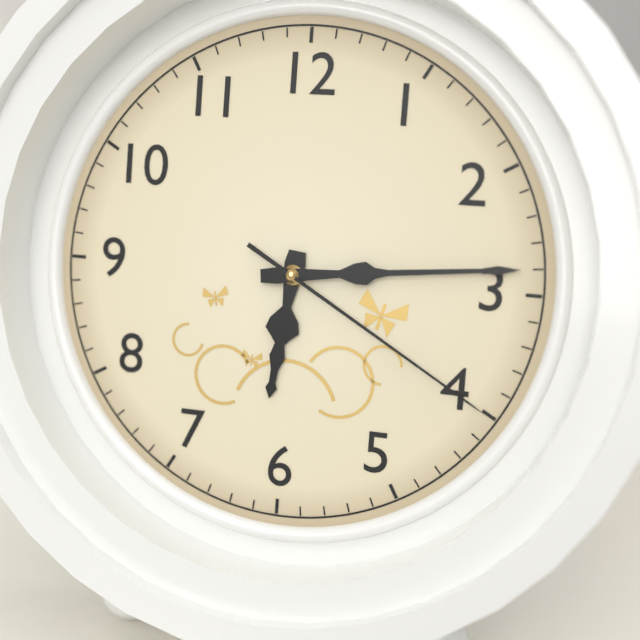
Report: 6:14:20
